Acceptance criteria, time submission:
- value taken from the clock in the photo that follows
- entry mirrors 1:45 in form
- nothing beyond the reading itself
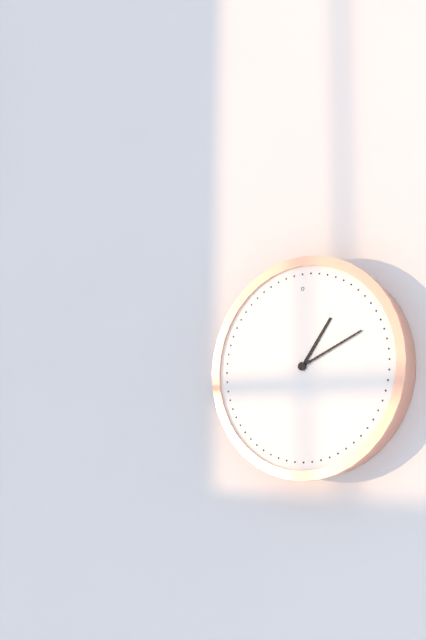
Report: 1:11
